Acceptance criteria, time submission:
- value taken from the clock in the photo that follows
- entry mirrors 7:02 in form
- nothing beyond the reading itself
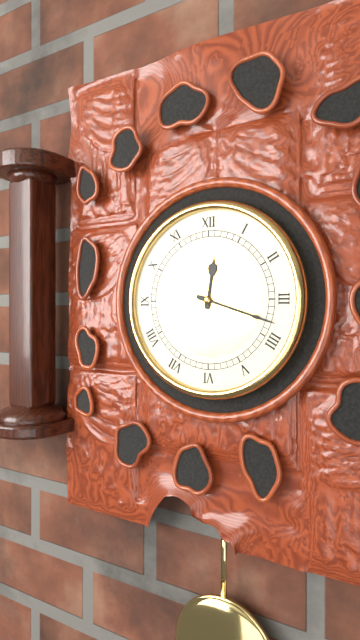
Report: 12:18
